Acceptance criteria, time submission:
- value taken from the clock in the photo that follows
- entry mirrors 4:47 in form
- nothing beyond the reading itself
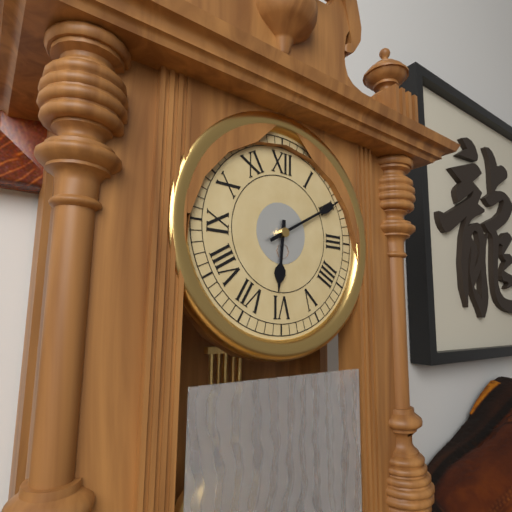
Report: 6:10
